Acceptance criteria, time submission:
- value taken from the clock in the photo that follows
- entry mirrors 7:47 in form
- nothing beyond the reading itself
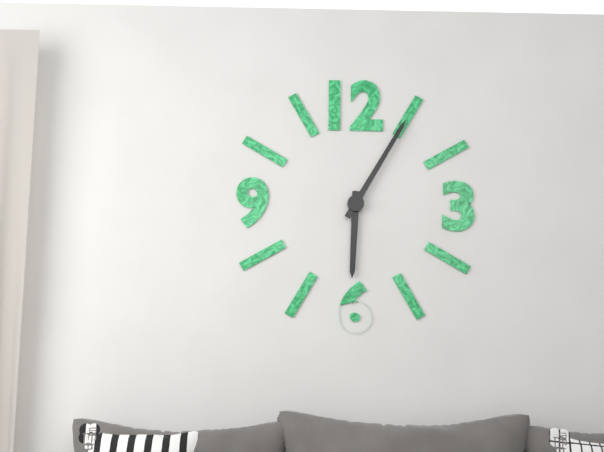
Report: 6:05
